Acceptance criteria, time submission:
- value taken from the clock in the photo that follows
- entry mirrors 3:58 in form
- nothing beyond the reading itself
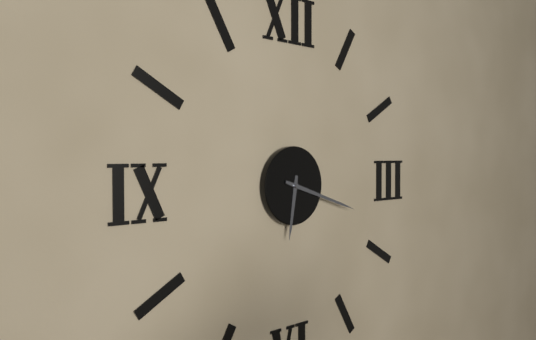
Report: 6:18
